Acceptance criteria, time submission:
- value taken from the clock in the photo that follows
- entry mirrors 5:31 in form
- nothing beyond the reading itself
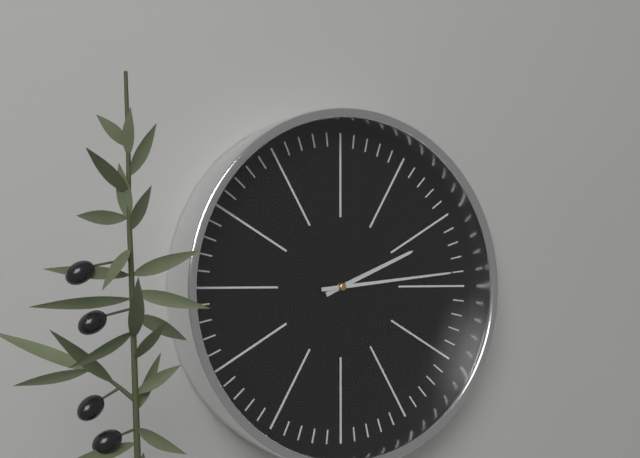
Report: 2:14
